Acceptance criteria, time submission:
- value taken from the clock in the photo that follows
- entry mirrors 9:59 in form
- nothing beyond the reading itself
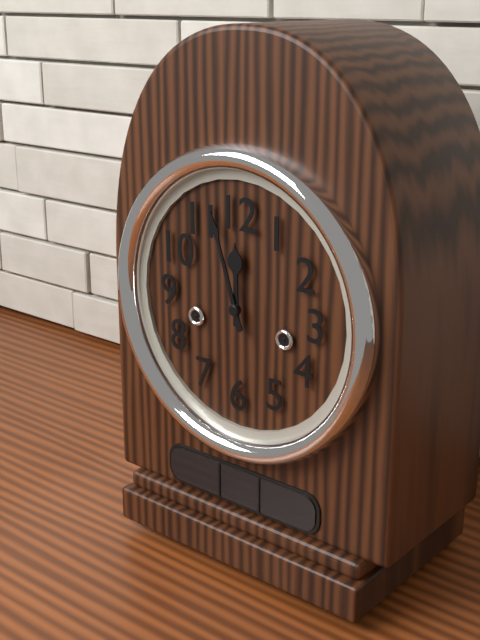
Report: 11:57
